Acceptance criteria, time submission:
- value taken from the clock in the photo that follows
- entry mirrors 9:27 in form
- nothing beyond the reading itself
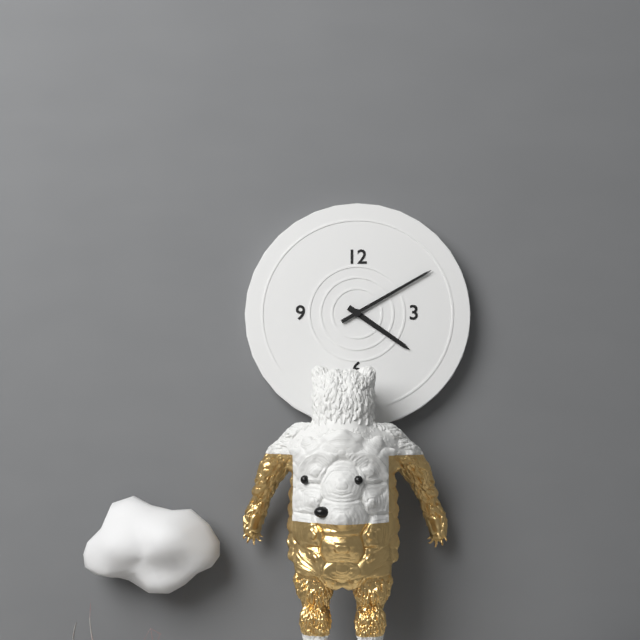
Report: 4:10
